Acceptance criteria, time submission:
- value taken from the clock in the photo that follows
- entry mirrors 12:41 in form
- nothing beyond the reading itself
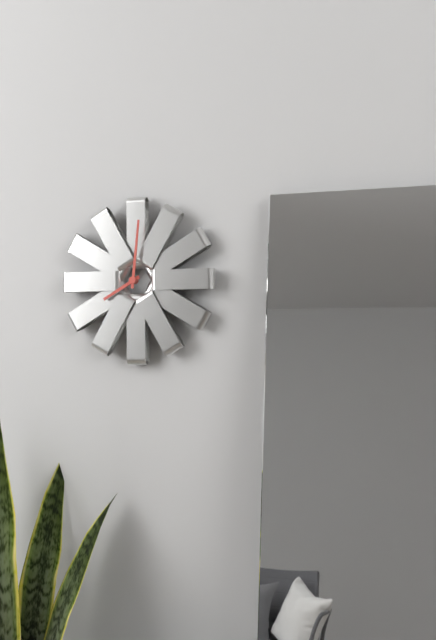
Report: 8:01
